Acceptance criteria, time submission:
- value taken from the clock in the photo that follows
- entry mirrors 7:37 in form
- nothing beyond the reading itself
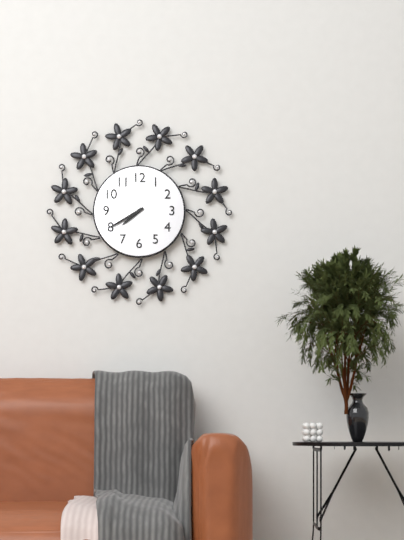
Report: 7:40
